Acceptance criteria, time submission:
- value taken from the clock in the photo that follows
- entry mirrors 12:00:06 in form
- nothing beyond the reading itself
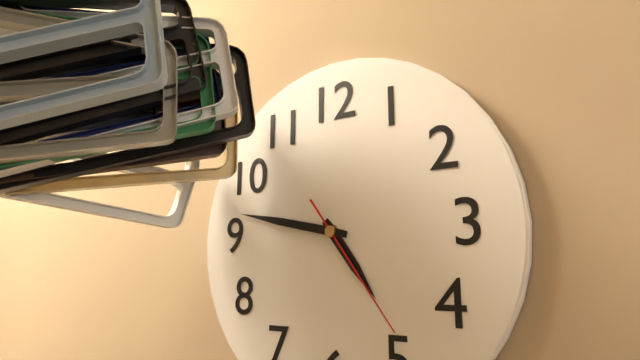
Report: 4:47:24
